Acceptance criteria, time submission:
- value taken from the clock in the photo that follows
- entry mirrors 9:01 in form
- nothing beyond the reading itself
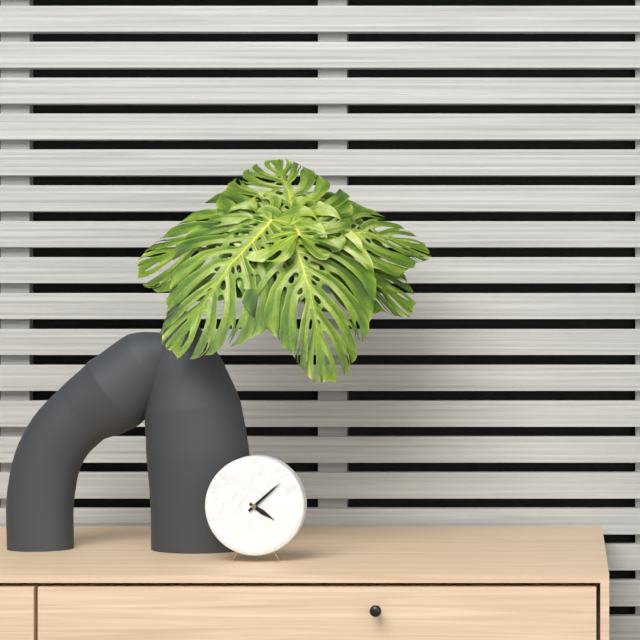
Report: 4:08
